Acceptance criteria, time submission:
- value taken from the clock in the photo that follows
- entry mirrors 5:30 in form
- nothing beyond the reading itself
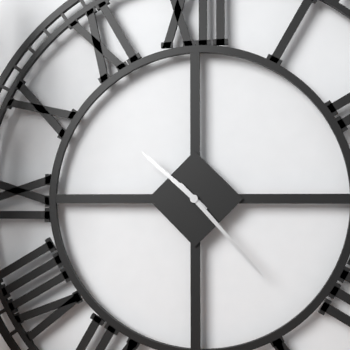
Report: 10:23
